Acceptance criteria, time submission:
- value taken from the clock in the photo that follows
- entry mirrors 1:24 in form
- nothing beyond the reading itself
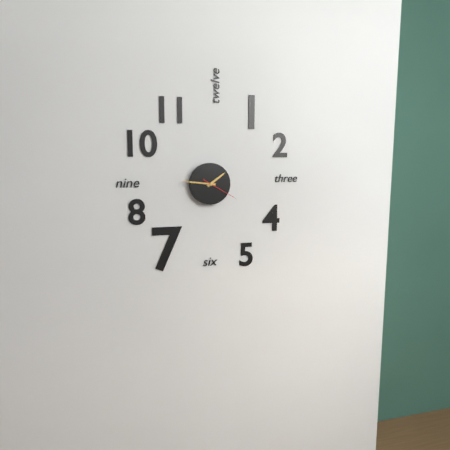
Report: 1:46
